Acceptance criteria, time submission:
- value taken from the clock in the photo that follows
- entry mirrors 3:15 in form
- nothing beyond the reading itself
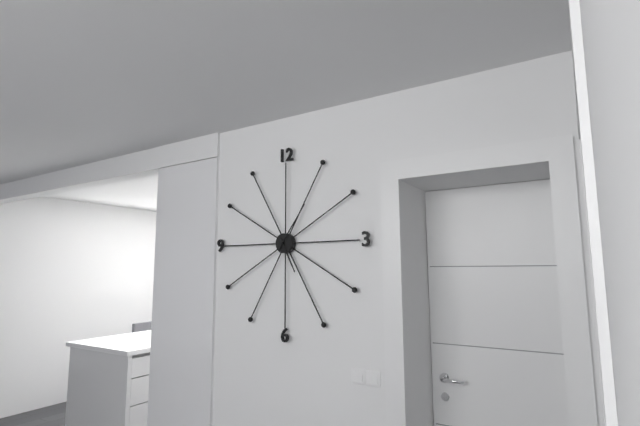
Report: 5:06
